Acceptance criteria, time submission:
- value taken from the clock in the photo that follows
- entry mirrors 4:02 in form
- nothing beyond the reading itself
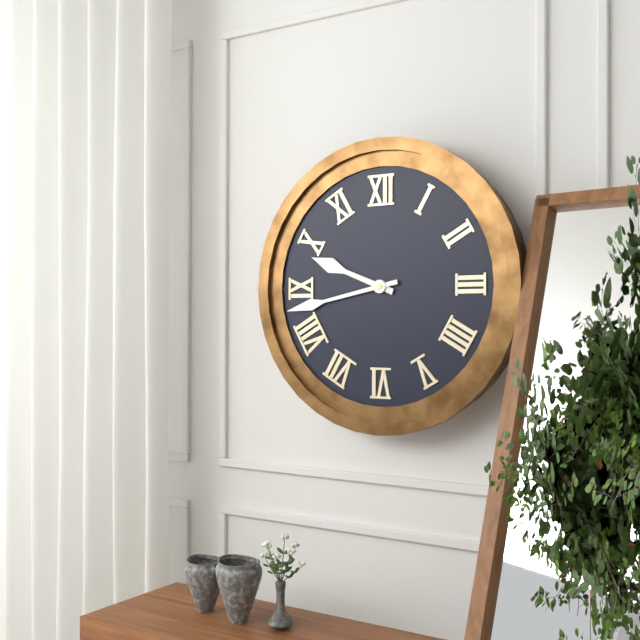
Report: 9:43
